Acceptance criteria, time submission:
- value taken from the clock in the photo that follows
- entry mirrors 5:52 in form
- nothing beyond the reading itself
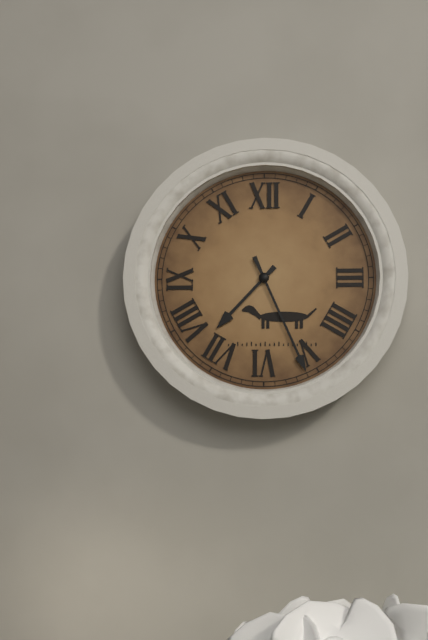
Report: 7:26
